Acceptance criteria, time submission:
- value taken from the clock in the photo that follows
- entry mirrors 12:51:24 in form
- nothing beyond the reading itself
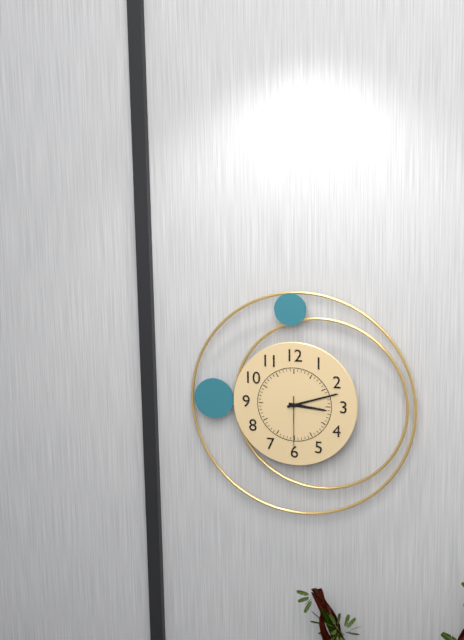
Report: 3:12:30
